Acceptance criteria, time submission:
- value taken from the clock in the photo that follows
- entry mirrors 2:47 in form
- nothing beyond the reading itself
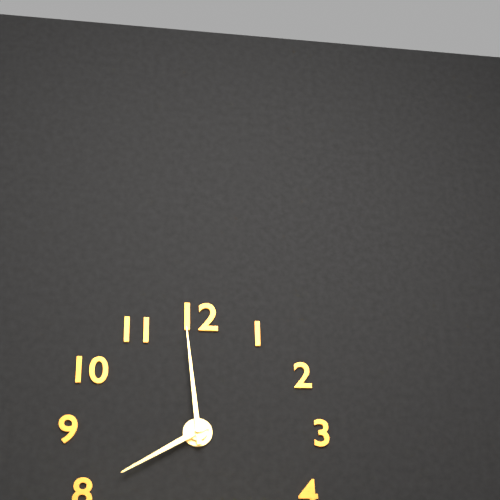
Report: 7:59
